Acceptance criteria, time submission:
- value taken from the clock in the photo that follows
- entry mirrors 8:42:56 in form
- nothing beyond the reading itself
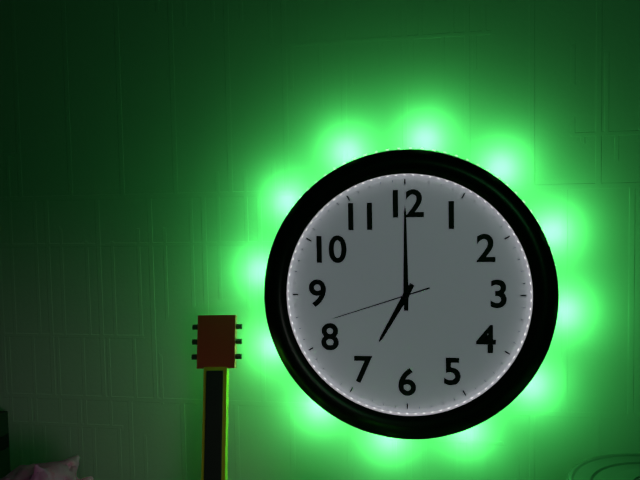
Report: 7:00:42
